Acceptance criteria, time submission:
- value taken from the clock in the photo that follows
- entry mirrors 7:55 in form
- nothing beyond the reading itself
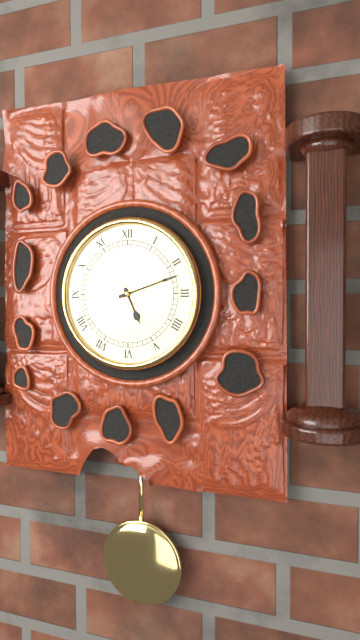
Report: 5:12
